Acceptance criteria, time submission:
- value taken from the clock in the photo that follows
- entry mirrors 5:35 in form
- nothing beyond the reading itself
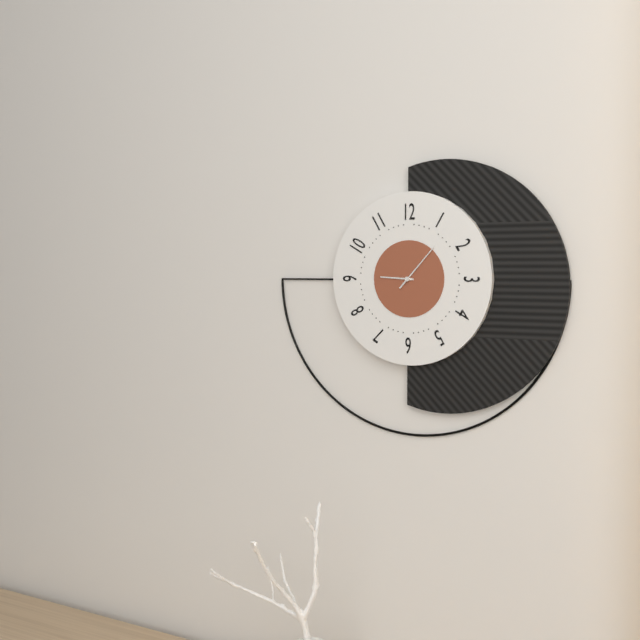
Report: 9:07
